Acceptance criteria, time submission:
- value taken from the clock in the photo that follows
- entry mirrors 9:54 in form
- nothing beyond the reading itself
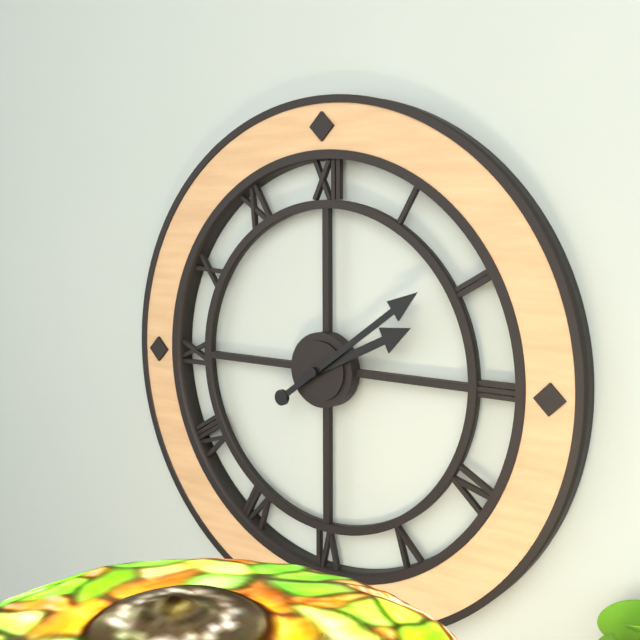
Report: 2:09
